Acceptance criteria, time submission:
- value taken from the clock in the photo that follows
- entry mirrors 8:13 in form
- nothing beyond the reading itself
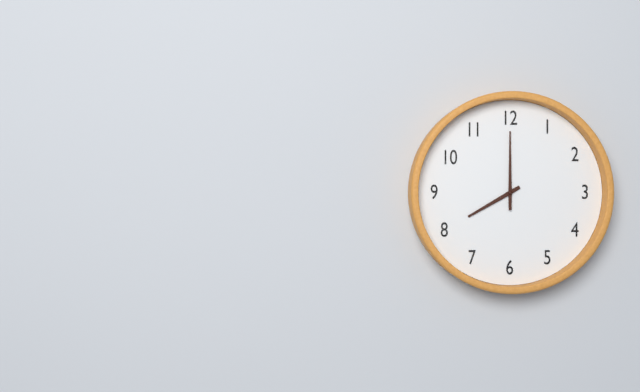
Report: 8:00
